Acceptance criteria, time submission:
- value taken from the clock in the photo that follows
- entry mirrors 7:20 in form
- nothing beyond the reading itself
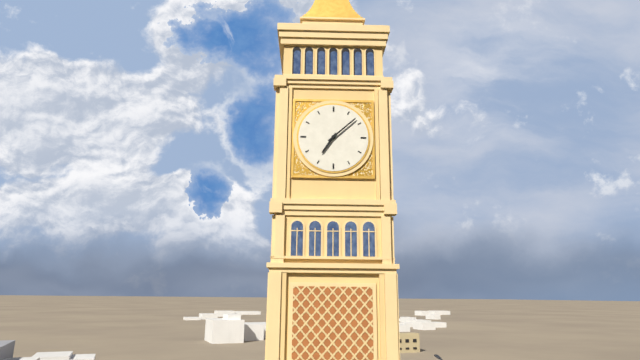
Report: 7:08
